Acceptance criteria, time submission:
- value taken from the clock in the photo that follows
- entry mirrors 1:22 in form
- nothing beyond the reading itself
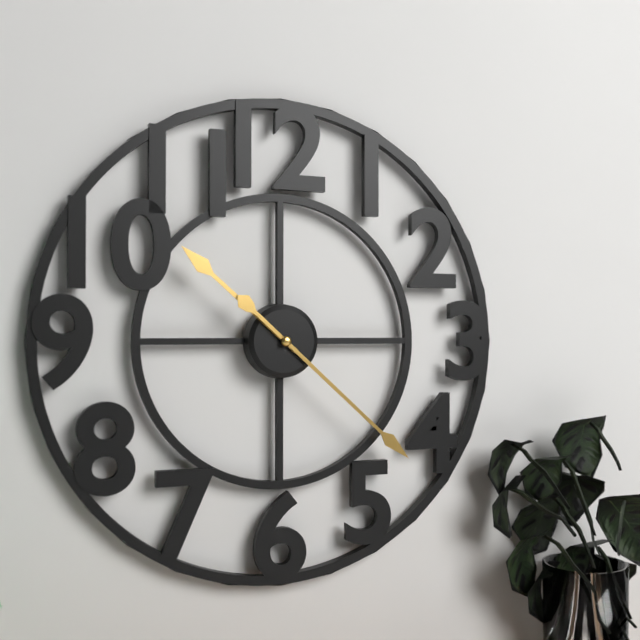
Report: 10:22
